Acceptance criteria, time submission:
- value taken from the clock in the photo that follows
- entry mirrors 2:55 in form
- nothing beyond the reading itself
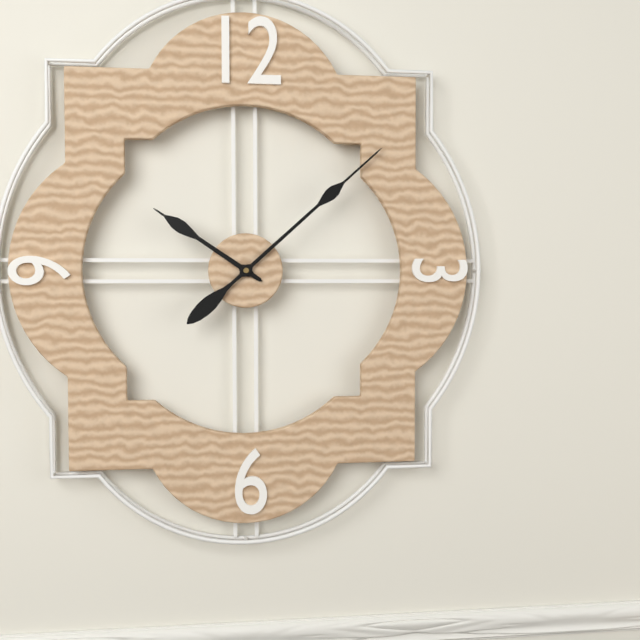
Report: 10:08
